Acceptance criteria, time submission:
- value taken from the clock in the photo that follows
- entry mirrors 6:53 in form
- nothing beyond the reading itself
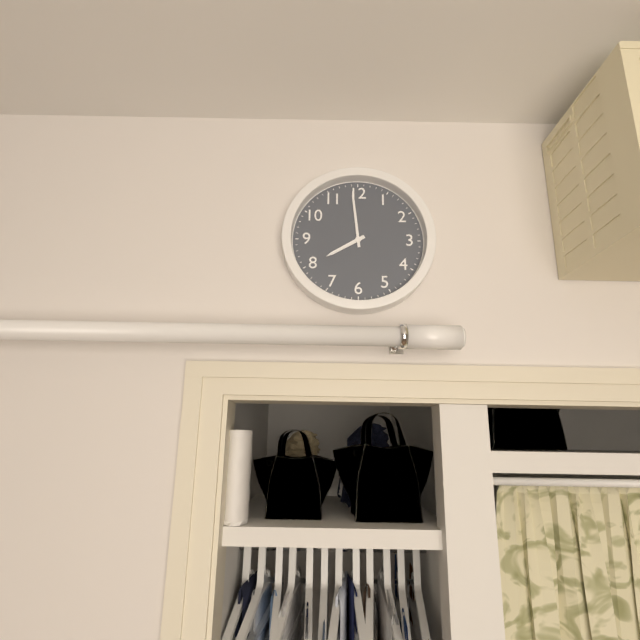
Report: 7:59
